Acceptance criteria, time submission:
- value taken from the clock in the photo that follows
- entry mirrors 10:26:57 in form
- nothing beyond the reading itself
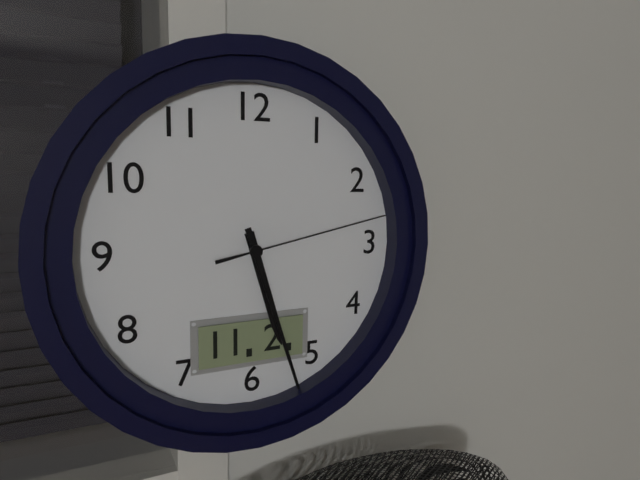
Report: 5:27:13
